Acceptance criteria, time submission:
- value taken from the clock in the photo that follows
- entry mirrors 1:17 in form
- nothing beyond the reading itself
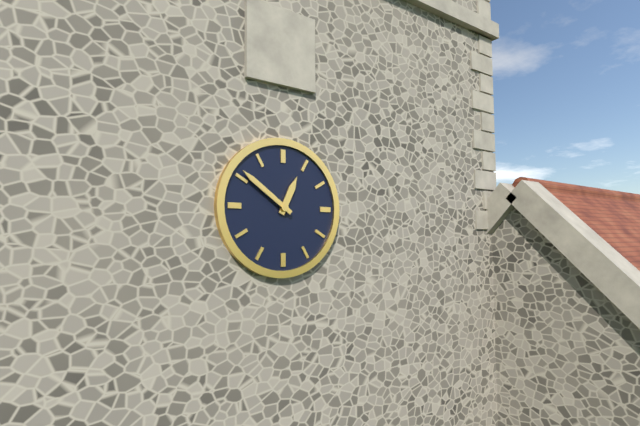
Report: 12:51
